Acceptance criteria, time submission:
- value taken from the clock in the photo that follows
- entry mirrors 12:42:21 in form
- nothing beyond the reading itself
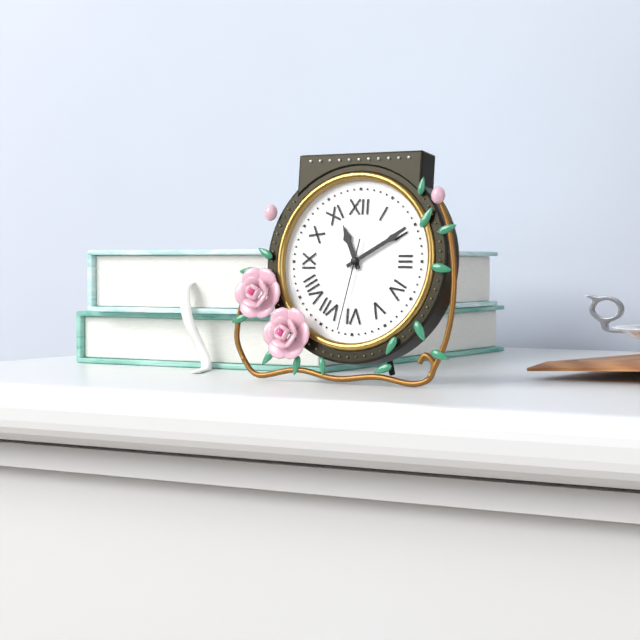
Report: 11:10:32
